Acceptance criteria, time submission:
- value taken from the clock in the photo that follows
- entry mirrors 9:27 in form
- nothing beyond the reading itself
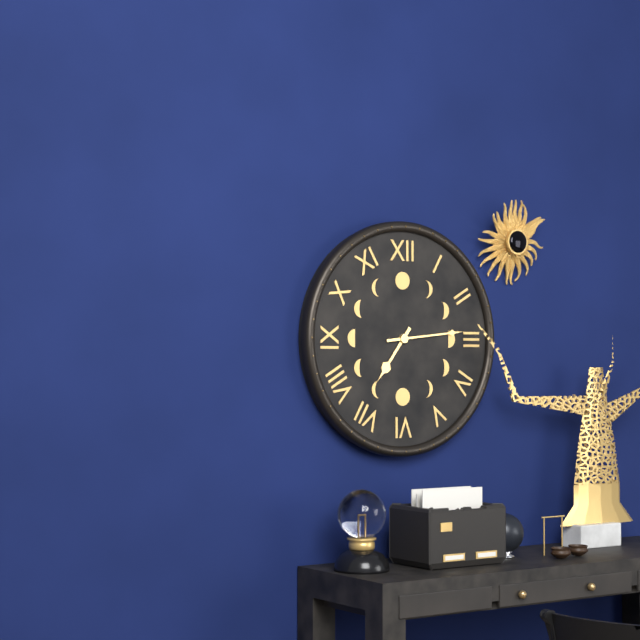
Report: 7:14
